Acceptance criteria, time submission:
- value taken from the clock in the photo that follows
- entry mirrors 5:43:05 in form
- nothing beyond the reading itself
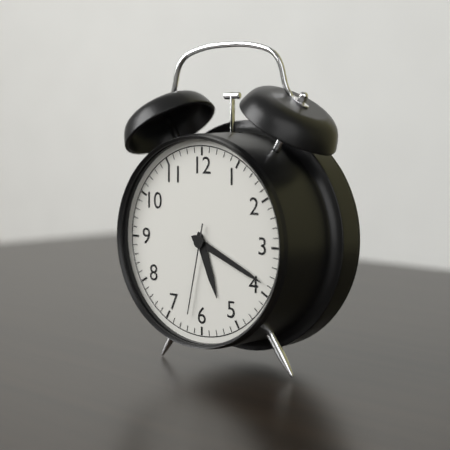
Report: 5:19:32
